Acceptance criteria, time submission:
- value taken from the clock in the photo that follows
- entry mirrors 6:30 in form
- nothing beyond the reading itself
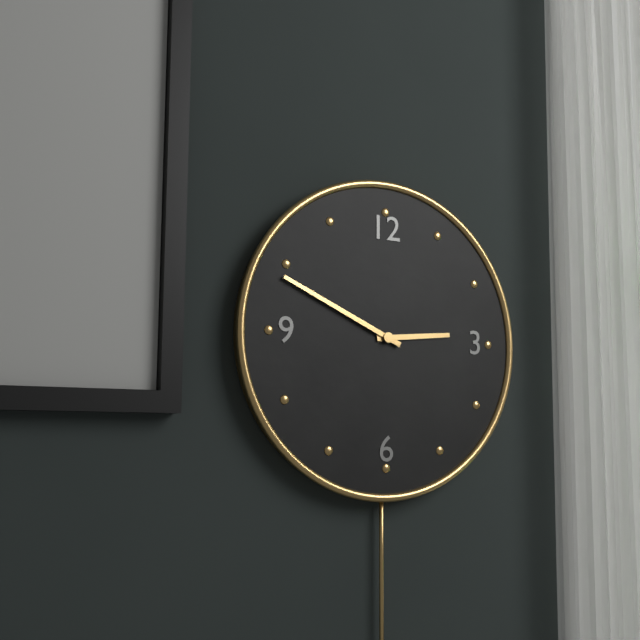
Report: 2:49
